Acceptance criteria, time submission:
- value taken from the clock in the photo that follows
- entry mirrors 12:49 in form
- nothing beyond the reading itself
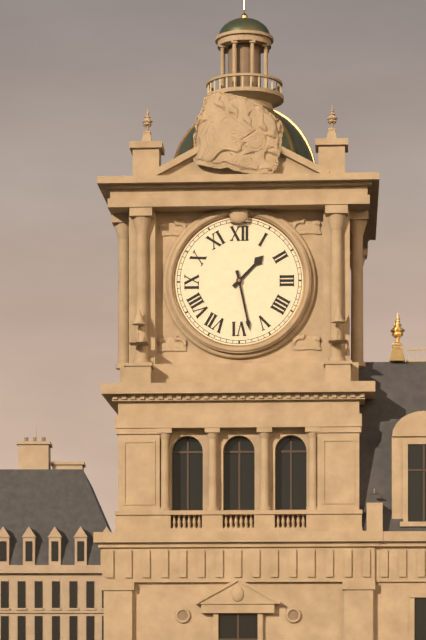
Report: 1:28
